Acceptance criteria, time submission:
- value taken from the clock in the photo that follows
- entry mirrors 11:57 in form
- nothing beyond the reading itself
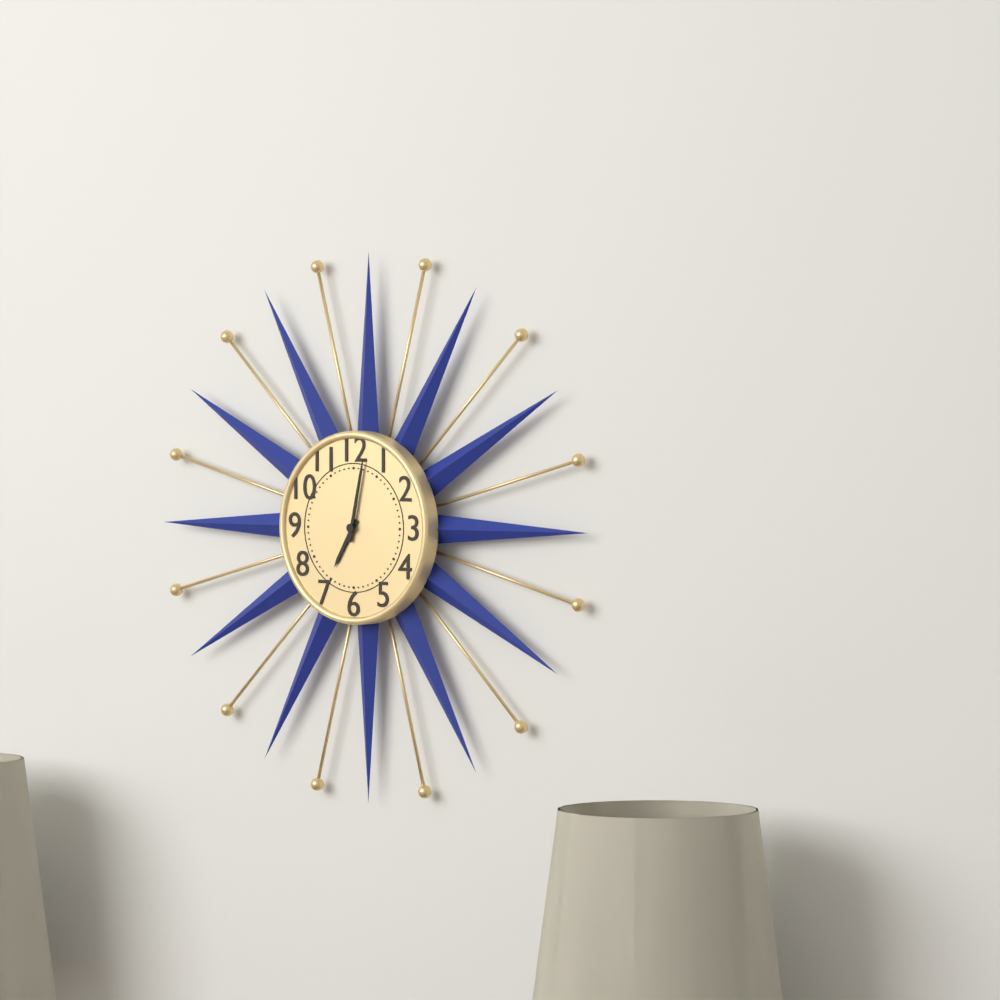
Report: 7:02
